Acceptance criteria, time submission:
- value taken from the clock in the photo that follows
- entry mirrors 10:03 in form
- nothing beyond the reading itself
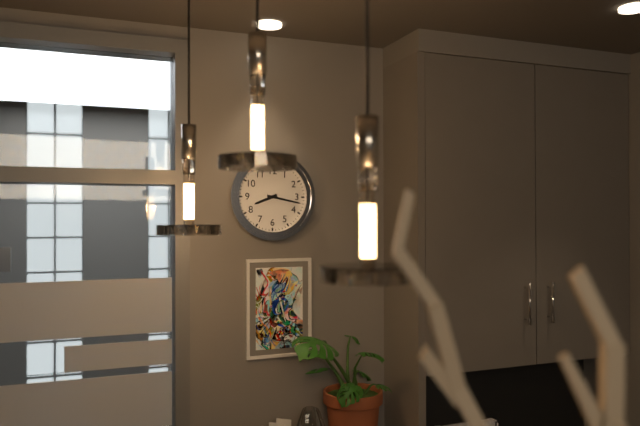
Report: 8:17
